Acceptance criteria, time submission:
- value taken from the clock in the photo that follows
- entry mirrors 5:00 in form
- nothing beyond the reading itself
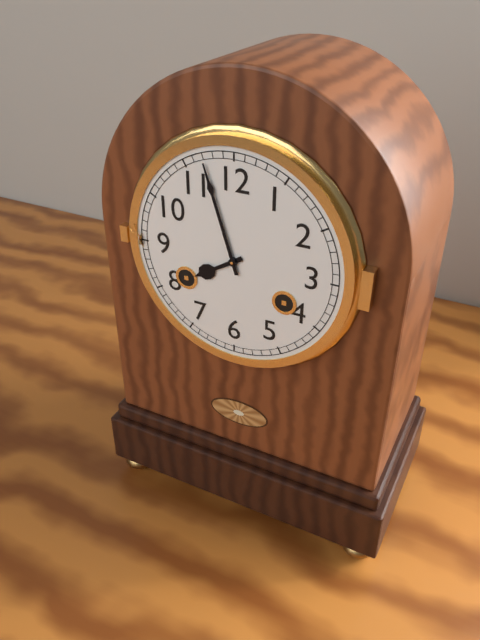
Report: 7:57
